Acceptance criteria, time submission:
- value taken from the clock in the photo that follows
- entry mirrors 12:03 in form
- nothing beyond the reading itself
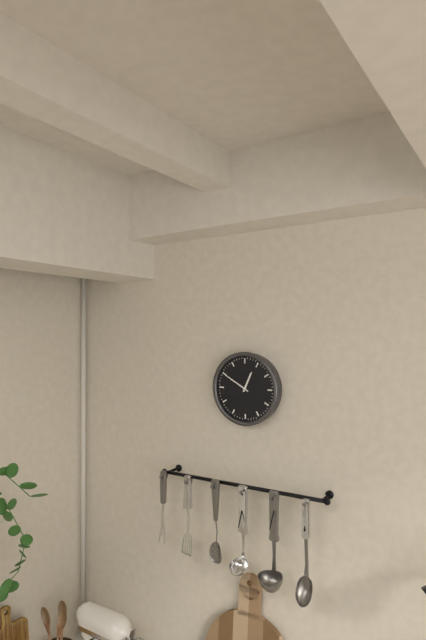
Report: 12:50
